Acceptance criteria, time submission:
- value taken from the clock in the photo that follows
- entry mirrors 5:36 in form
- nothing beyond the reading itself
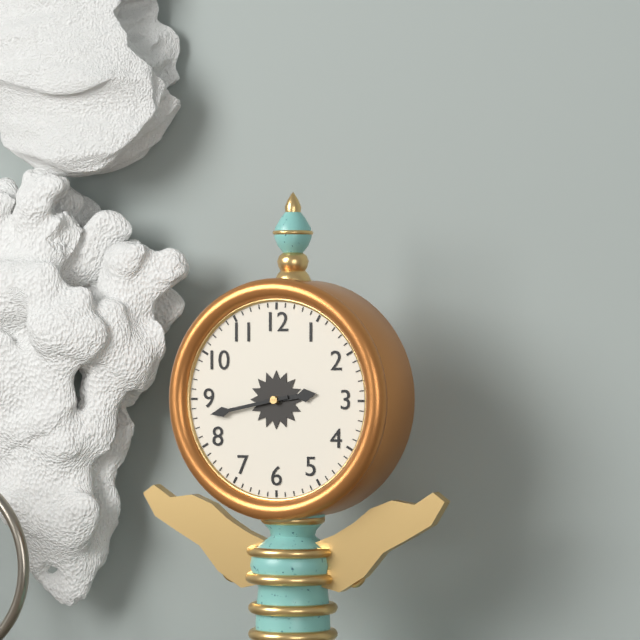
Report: 2:43
